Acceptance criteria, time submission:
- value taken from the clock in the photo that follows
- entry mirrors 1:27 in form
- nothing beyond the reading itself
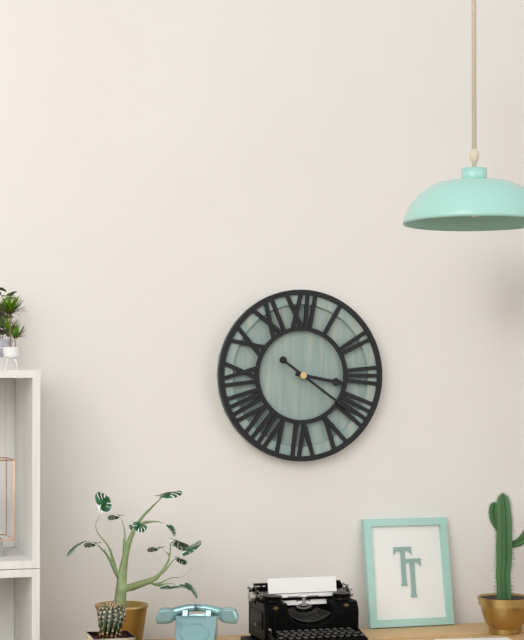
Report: 3:21
